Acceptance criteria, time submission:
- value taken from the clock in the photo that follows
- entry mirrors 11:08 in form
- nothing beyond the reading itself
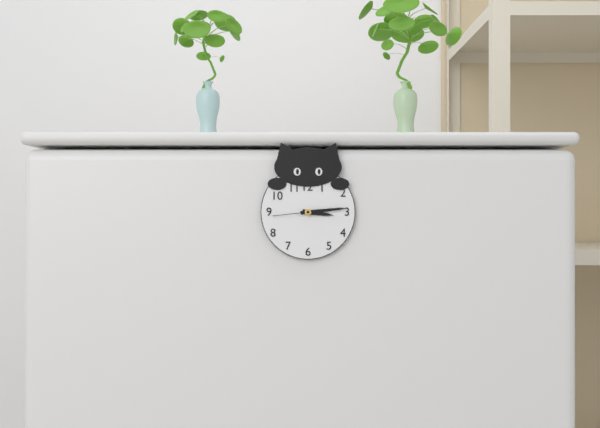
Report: 3:14
